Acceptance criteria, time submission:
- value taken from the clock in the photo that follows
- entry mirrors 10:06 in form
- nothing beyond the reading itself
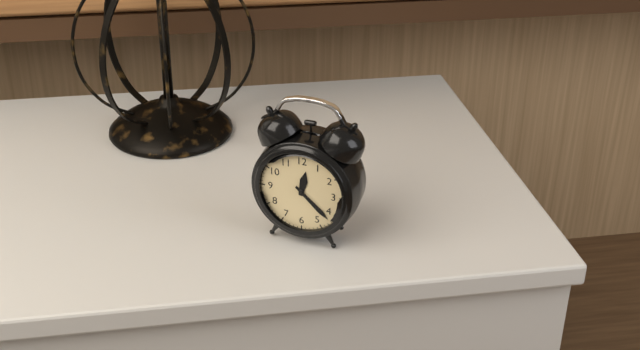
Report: 12:22
